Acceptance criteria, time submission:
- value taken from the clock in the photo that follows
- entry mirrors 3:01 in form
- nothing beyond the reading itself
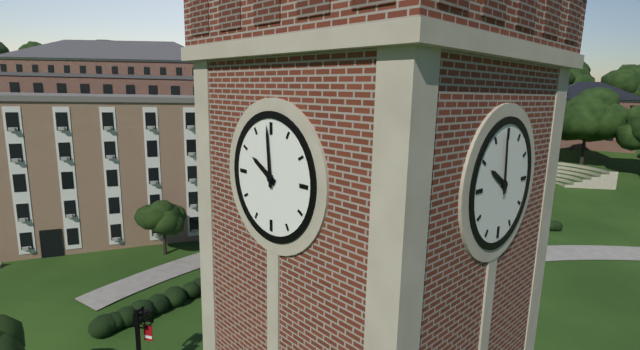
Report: 9:59
